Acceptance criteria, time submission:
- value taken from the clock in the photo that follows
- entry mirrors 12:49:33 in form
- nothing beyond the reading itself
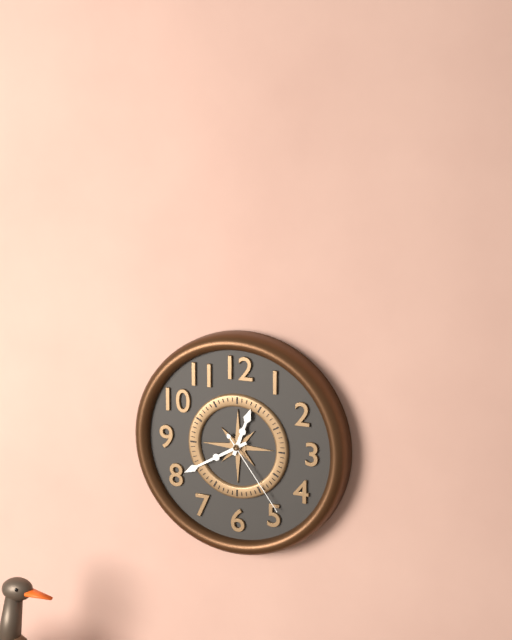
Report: 12:40:24
